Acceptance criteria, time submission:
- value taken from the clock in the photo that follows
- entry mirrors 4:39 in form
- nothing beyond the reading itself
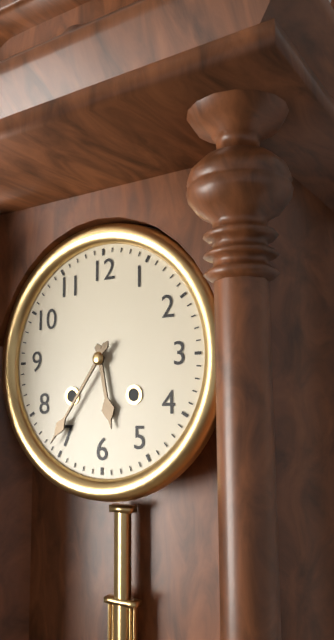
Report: 5:36
